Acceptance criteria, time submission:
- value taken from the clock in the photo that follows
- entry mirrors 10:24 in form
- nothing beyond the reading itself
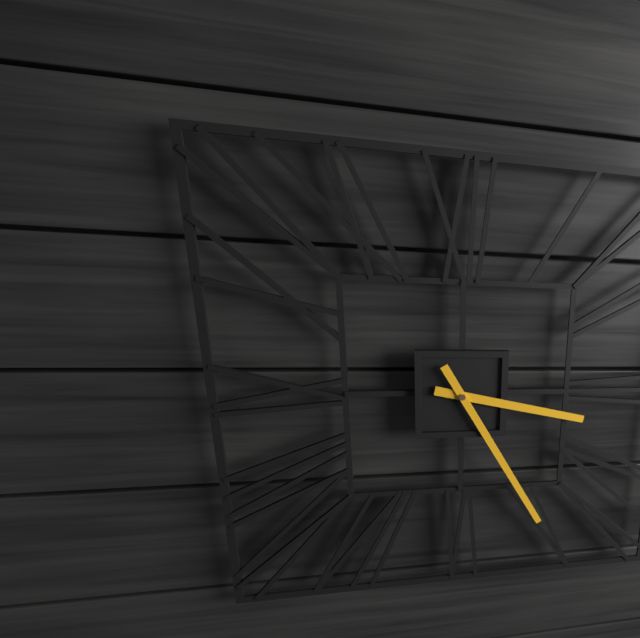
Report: 3:25
